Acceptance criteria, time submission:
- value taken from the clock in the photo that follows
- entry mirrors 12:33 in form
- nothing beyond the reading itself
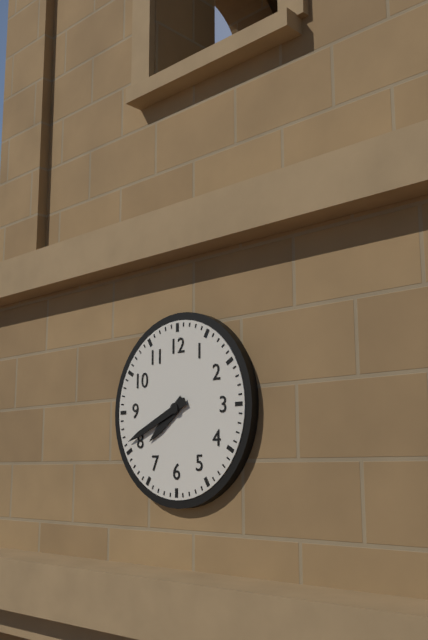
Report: 7:41
